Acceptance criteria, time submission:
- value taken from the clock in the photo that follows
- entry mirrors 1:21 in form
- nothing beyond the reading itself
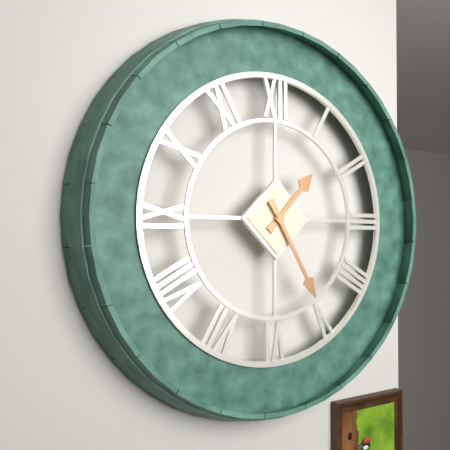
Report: 1:25
